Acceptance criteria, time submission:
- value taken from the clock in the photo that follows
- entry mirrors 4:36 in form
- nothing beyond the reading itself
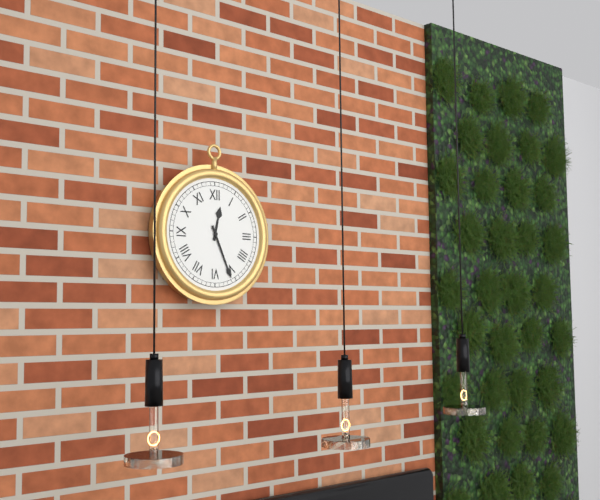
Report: 12:26
